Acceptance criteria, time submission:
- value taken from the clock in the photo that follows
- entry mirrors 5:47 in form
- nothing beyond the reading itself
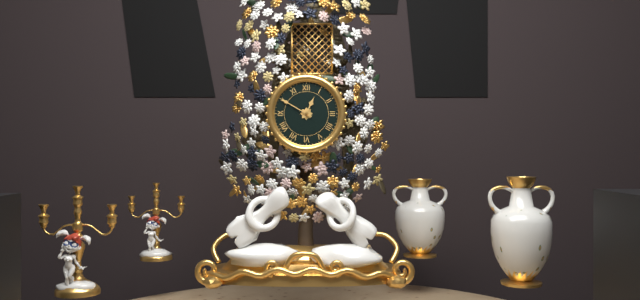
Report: 12:50
